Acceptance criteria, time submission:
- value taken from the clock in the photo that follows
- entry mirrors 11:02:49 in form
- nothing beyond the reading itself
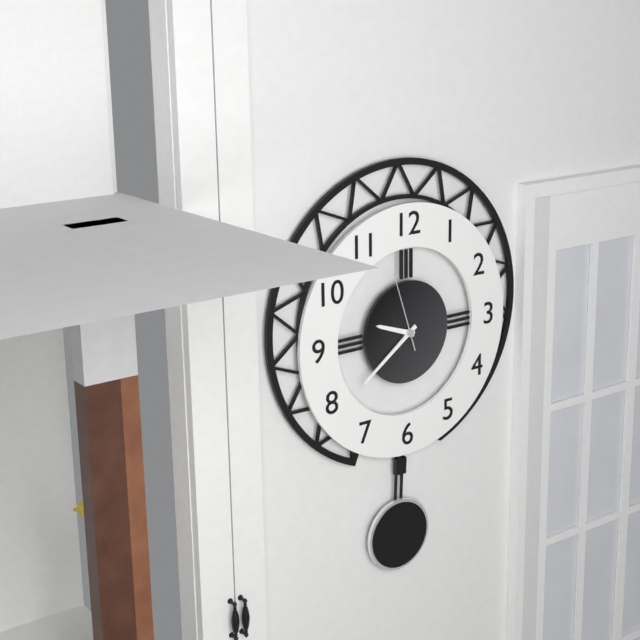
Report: 9:39:57
